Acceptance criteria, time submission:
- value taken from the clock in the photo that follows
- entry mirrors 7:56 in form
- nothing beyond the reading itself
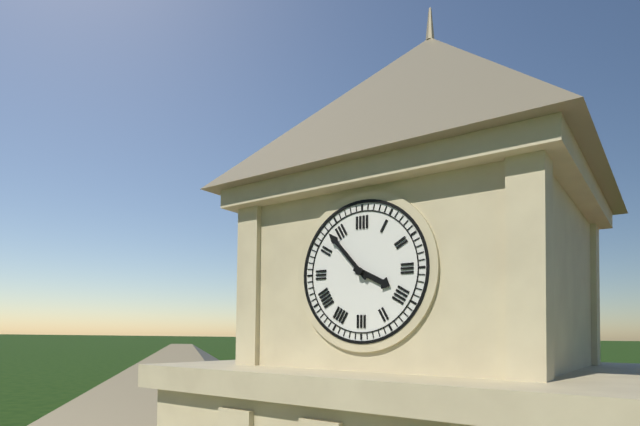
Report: 3:53
